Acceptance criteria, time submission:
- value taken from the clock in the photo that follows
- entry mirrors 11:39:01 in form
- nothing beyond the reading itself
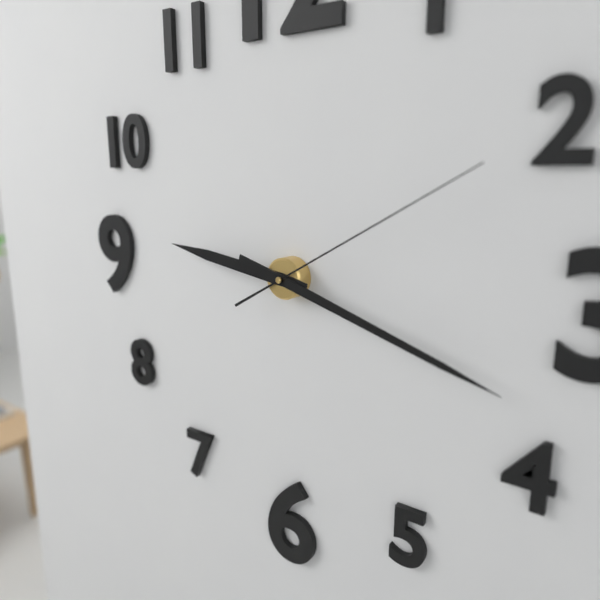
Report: 9:18:10
